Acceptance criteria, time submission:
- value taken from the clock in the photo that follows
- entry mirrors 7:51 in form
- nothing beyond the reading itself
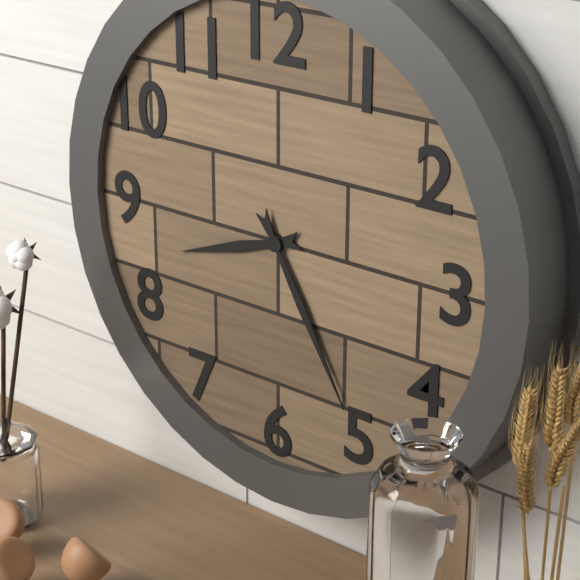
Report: 8:25
